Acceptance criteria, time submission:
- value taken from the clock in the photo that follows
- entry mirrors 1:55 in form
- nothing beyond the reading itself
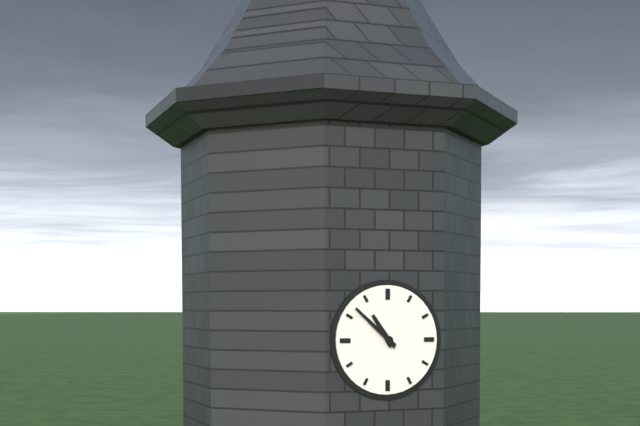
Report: 10:52
